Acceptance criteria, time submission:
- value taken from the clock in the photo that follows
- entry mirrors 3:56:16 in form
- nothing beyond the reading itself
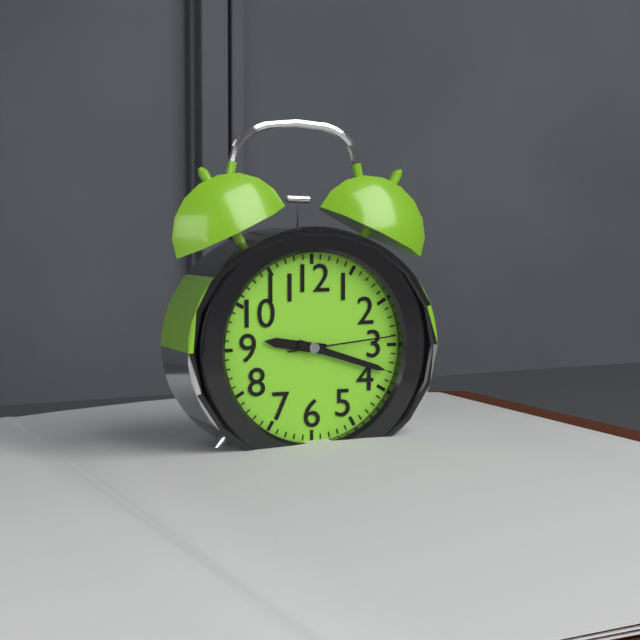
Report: 9:18:14
